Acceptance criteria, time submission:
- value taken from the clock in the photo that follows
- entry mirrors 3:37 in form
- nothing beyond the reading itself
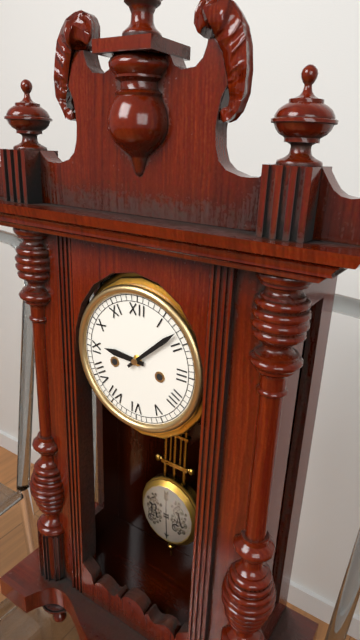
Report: 9:08
